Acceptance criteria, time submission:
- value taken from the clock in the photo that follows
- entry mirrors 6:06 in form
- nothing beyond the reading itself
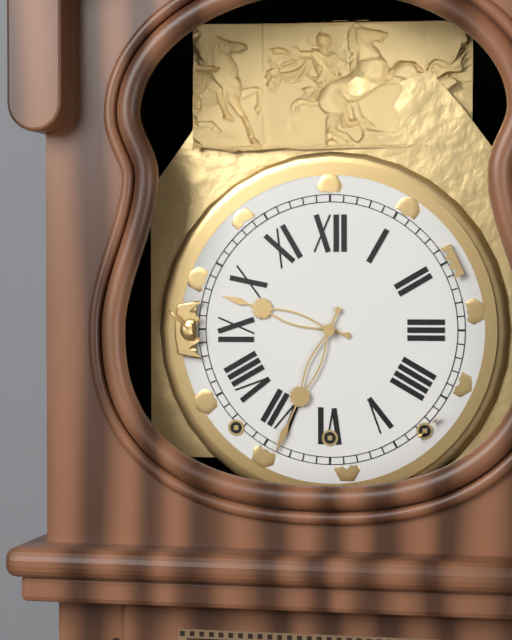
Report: 9:34
